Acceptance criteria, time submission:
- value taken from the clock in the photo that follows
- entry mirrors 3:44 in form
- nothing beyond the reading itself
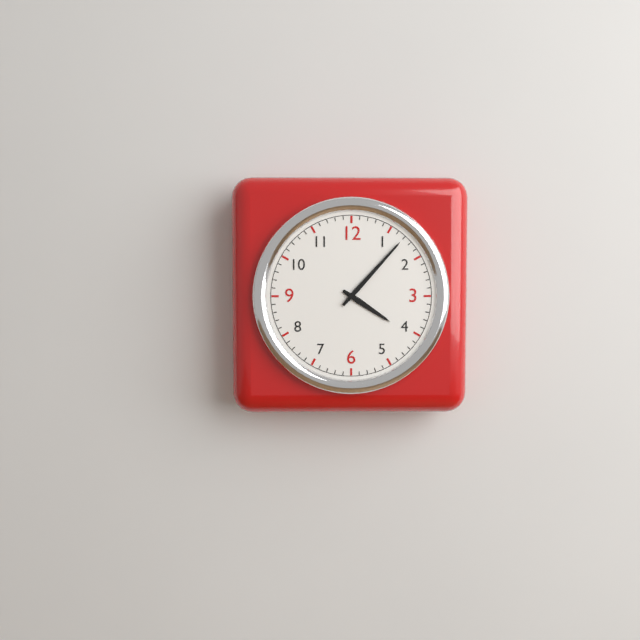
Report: 4:07
